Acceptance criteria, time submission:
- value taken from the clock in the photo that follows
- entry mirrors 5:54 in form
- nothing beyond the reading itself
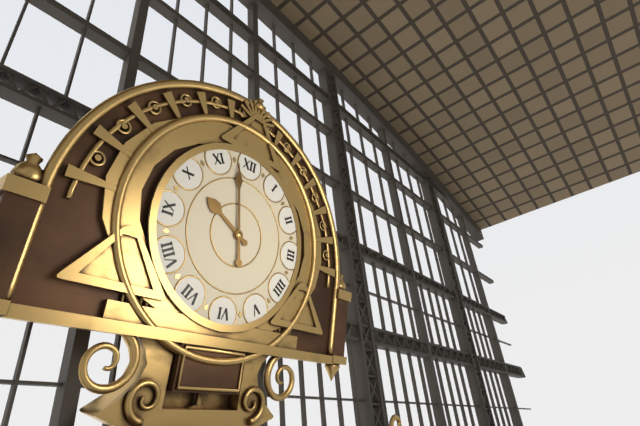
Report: 9:58
